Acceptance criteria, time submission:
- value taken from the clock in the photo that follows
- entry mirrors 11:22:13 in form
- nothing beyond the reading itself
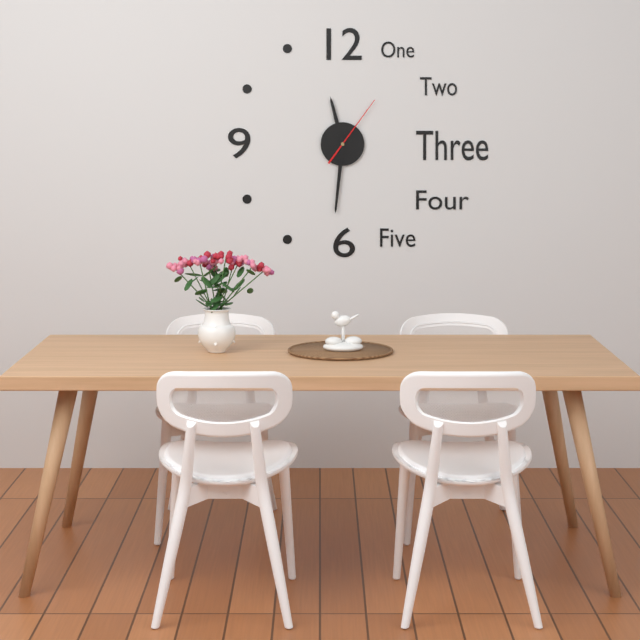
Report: 11:31:06
